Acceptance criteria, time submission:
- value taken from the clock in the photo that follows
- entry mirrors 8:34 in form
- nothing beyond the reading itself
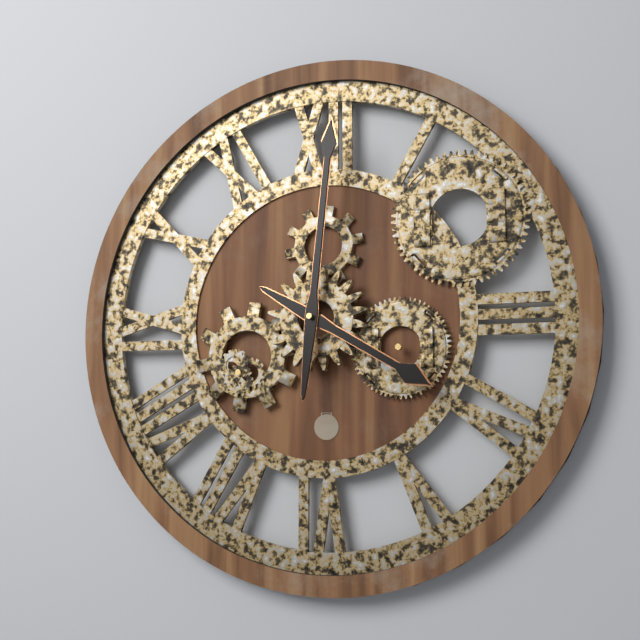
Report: 4:01
